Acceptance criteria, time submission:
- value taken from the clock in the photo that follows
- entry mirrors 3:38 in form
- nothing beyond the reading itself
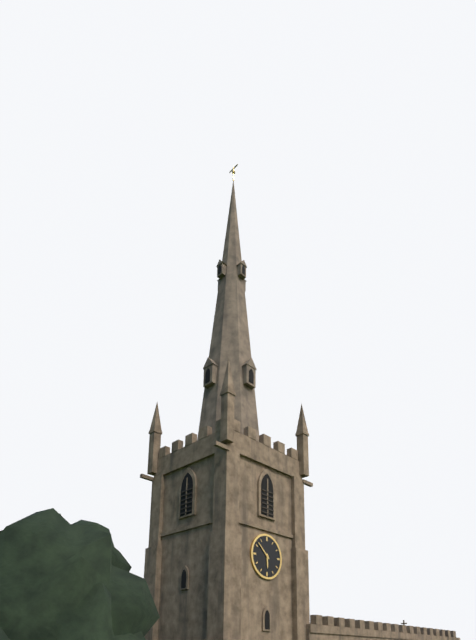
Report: 5:52
